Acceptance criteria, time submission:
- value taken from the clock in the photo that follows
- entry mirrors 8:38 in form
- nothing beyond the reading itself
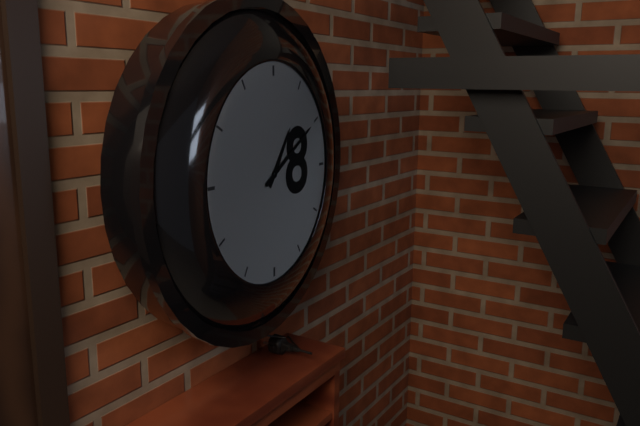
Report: 1:10
